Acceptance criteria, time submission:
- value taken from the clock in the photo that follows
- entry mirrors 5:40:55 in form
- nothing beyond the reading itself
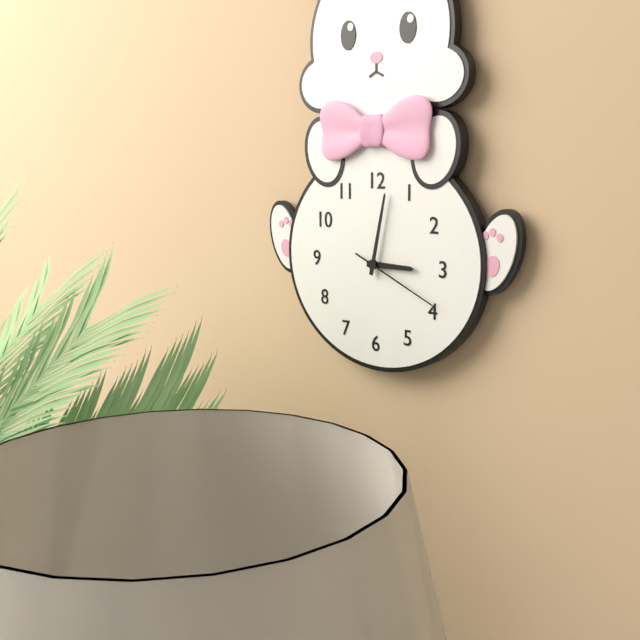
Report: 3:02:19
